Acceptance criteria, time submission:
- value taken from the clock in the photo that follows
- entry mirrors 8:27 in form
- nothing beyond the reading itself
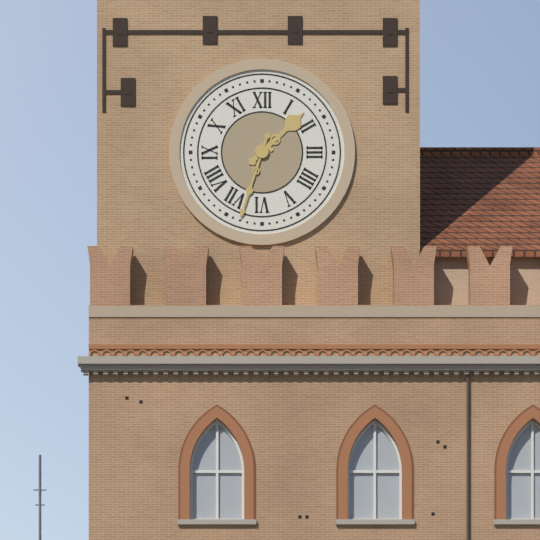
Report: 1:33
